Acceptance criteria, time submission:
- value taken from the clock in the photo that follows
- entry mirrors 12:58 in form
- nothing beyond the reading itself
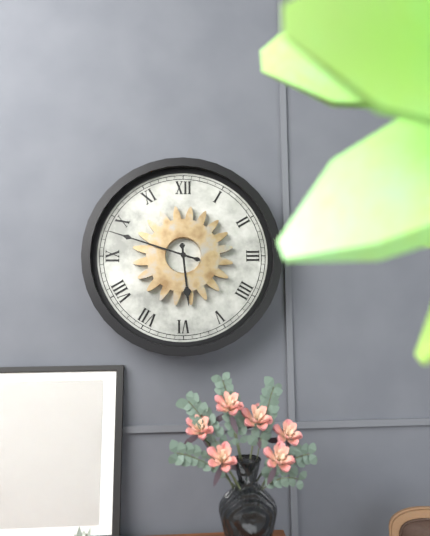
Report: 5:48
